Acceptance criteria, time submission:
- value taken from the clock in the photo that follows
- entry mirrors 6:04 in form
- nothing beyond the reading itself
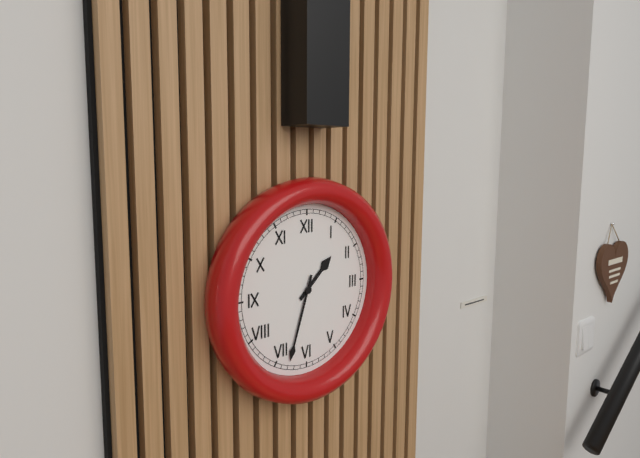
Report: 1:33
